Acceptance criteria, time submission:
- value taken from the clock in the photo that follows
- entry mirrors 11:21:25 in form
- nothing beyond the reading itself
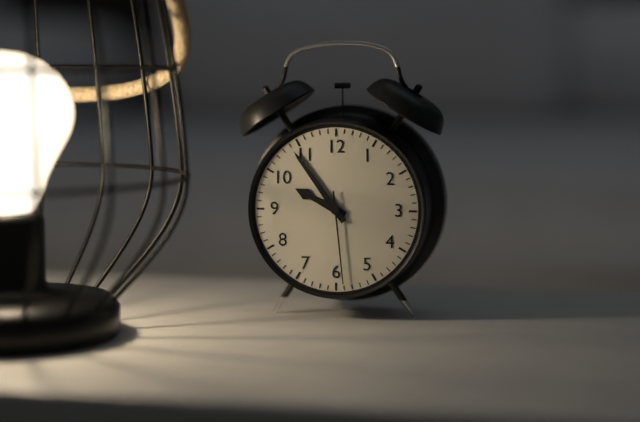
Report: 9:54:29
